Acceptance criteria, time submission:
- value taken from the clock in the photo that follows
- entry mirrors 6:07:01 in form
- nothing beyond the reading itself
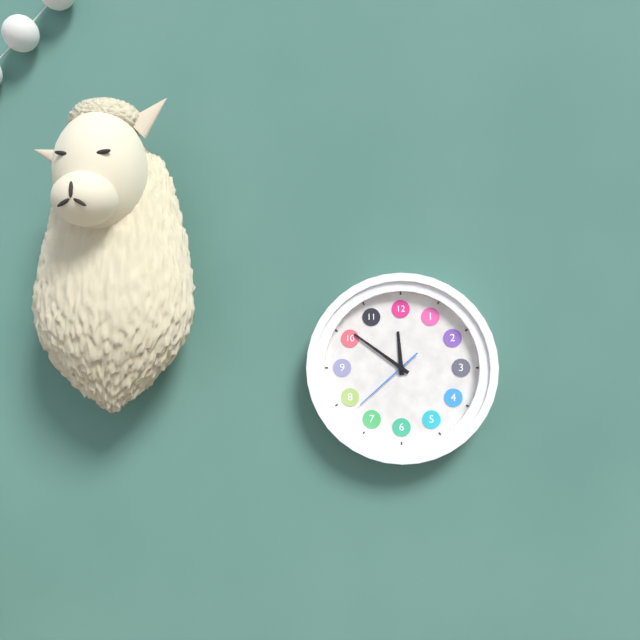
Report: 11:51:38
